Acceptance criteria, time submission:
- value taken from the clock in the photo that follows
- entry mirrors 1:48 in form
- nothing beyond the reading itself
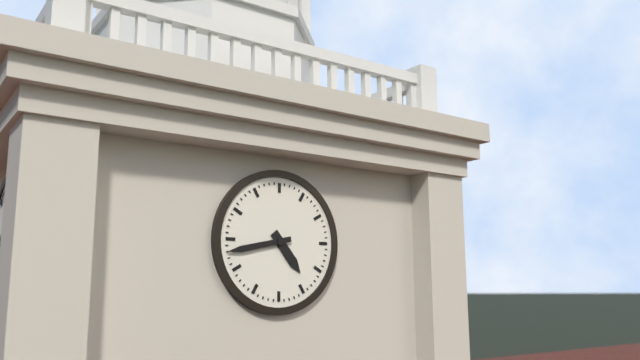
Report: 4:43
